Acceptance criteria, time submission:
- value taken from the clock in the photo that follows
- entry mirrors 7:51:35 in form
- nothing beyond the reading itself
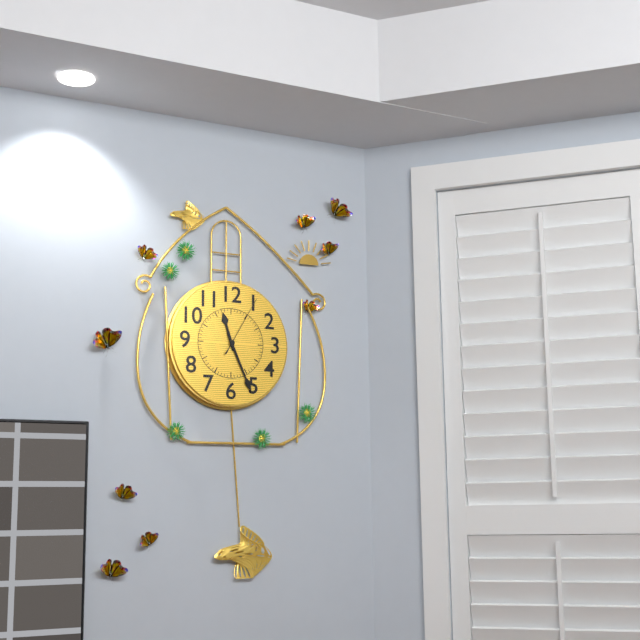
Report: 11:26:05
